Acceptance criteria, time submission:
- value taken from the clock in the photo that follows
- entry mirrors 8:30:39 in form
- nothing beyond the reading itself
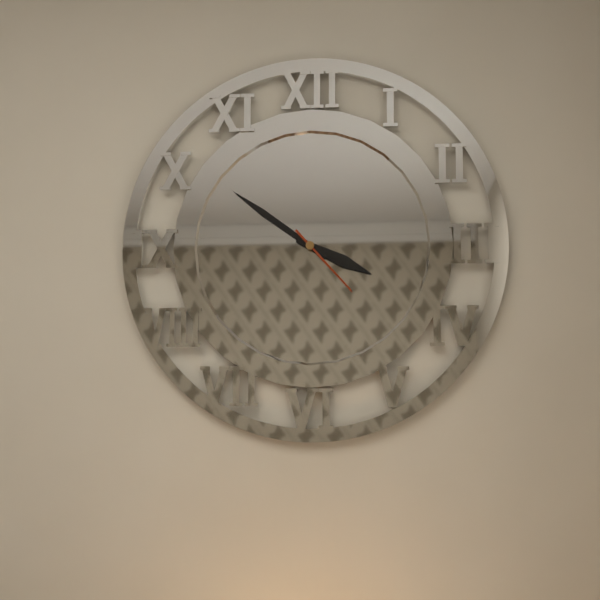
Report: 3:51:23
